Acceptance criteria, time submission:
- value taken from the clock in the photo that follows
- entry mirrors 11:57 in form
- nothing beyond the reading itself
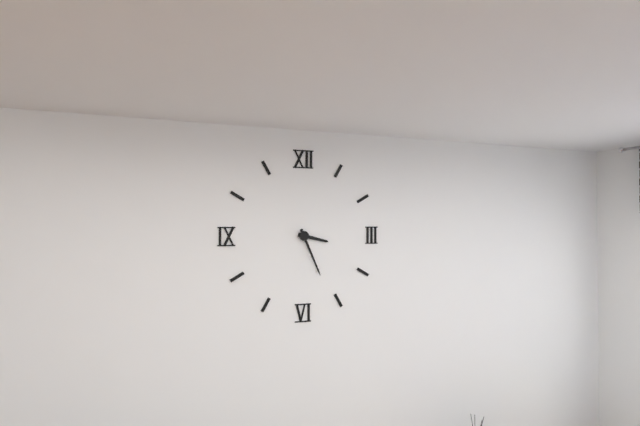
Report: 3:26
